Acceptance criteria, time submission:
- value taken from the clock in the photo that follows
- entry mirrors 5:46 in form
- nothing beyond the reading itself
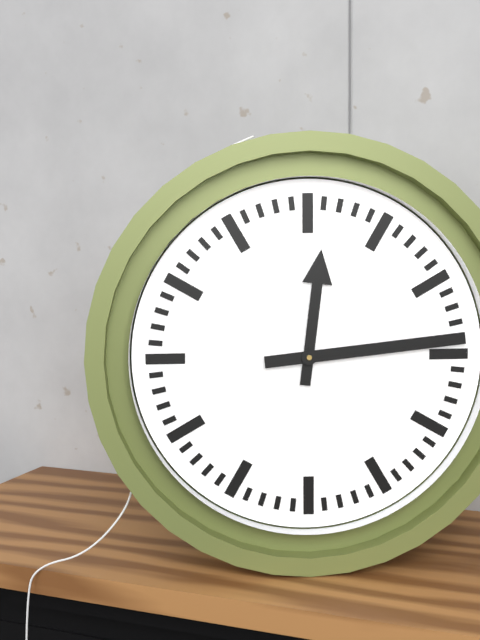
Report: 12:14
